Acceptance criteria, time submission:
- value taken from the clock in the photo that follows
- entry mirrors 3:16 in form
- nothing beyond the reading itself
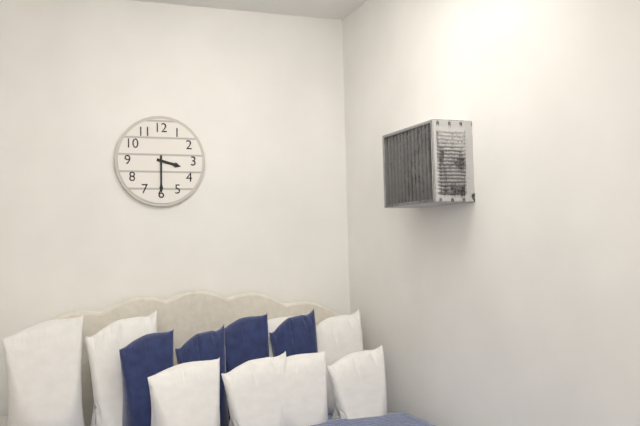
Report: 3:30
